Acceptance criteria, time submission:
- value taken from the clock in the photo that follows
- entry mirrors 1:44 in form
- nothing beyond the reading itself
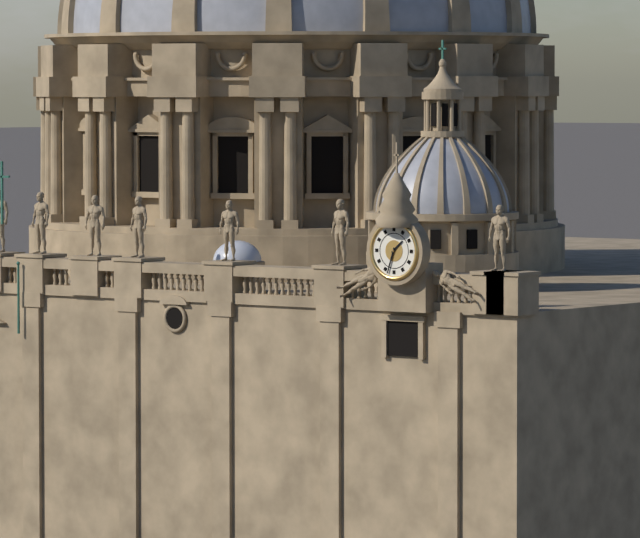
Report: 1:33
